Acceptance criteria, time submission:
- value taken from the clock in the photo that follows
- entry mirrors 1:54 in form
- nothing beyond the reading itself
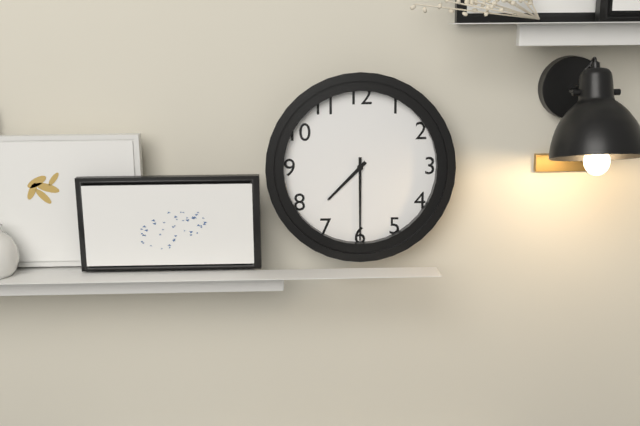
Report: 7:30
